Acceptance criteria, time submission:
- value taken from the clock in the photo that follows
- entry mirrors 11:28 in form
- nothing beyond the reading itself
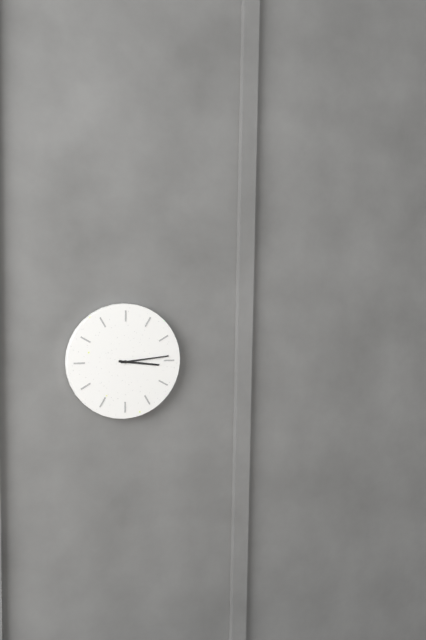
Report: 3:14
